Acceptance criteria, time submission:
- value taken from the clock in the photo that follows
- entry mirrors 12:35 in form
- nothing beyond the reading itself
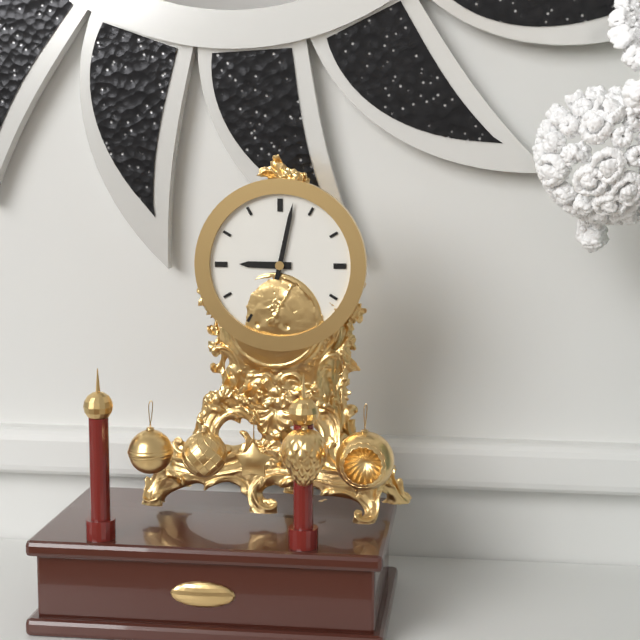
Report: 9:02
